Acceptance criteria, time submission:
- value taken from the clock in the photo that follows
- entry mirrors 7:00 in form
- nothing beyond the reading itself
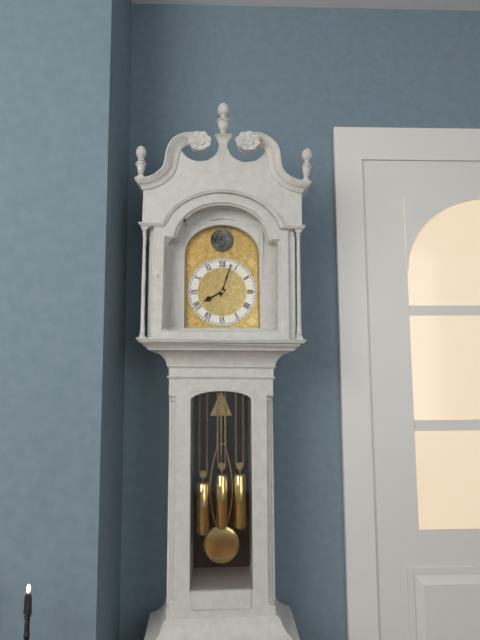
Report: 8:03
